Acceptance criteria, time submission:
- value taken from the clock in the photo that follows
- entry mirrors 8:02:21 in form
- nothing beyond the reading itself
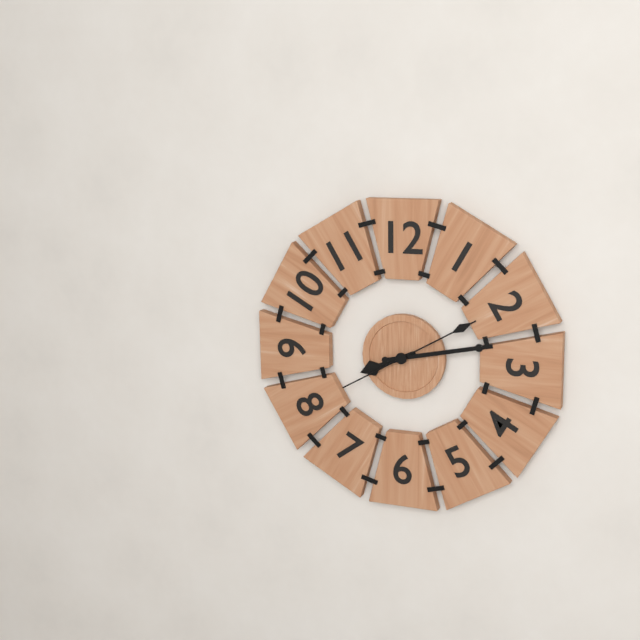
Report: 8:13:10
